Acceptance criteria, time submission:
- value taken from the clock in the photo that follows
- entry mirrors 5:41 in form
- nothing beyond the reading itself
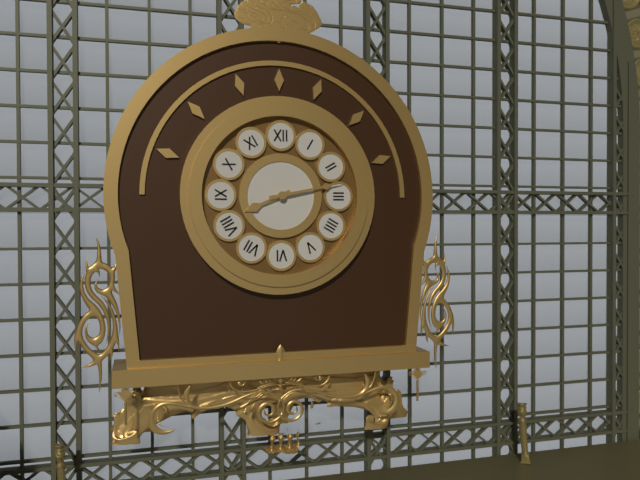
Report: 8:13
